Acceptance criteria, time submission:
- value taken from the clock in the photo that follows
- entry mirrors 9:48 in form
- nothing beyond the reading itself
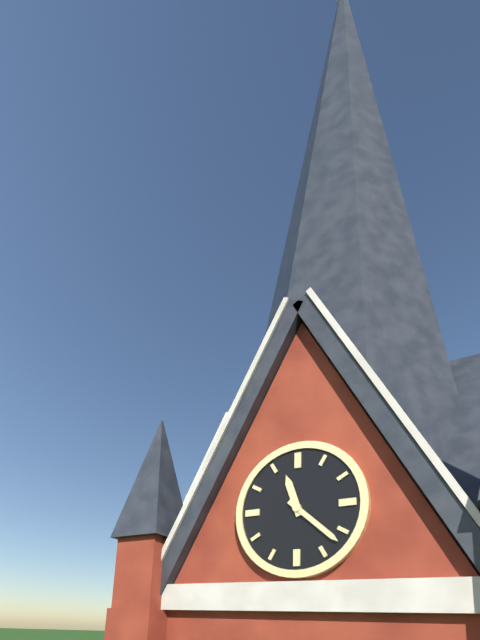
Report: 11:22
